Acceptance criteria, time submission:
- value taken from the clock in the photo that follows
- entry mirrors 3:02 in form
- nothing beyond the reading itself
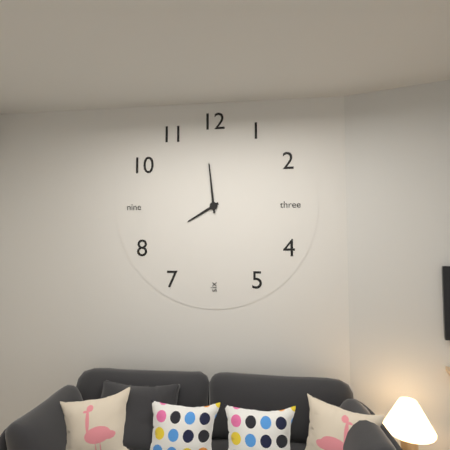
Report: 7:59
